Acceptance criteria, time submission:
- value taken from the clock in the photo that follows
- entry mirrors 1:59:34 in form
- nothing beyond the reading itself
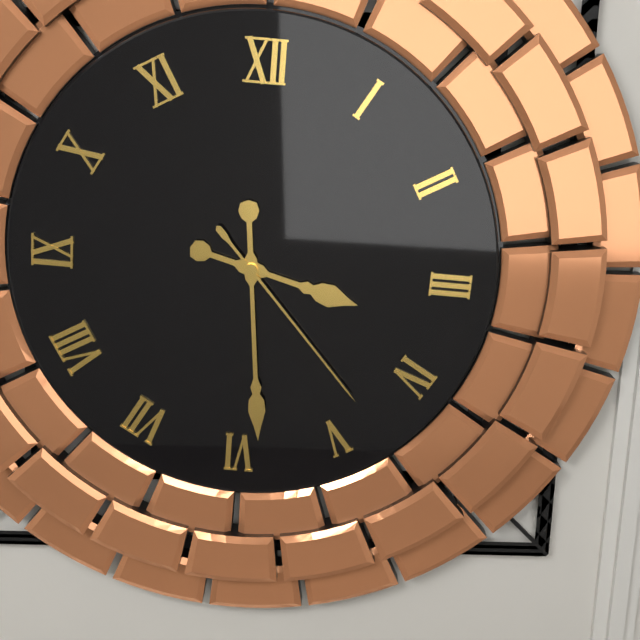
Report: 3:29:23
